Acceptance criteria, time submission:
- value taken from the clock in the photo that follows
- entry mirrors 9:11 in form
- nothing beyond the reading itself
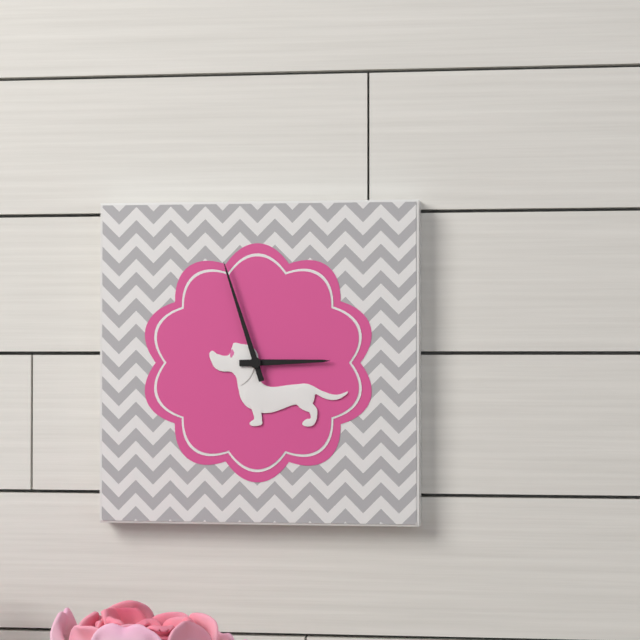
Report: 2:57
